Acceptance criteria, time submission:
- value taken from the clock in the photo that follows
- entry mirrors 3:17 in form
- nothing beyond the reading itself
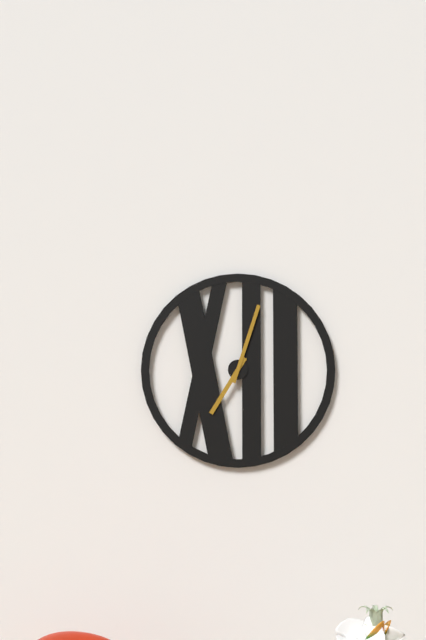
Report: 7:03
